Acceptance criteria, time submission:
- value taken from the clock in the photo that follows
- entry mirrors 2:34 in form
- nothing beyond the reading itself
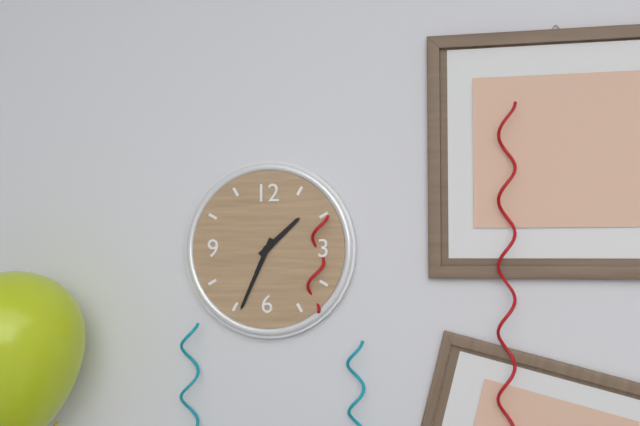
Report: 1:34
